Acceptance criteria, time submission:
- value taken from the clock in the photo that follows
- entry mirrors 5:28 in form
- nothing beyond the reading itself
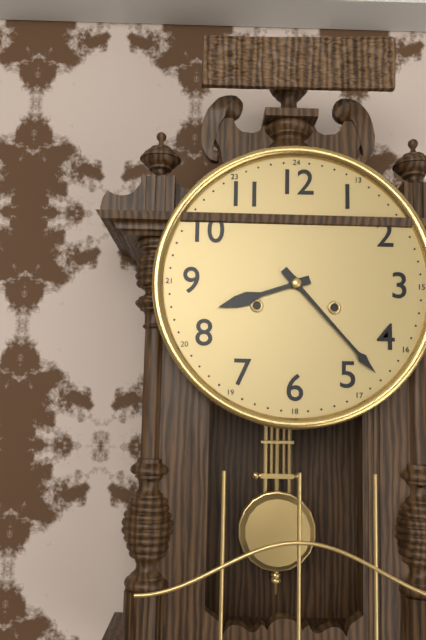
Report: 8:23
